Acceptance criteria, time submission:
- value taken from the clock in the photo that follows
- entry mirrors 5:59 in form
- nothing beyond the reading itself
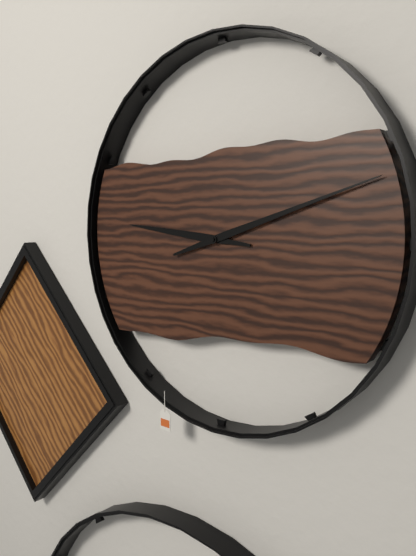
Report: 9:12
